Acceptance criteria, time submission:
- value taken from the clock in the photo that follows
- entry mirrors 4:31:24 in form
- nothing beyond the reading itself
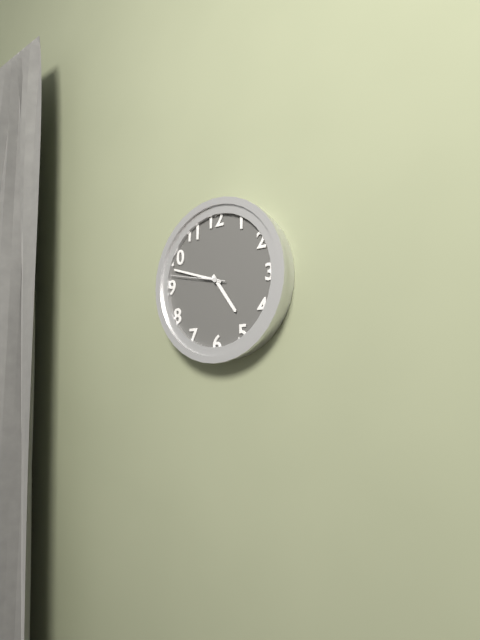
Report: 4:48:47
